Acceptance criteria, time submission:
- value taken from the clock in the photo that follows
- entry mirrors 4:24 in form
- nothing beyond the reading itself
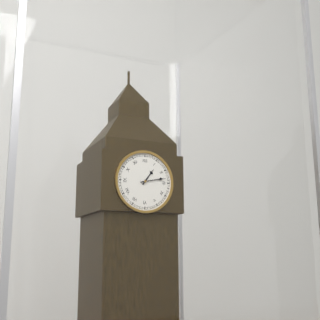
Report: 1:13
